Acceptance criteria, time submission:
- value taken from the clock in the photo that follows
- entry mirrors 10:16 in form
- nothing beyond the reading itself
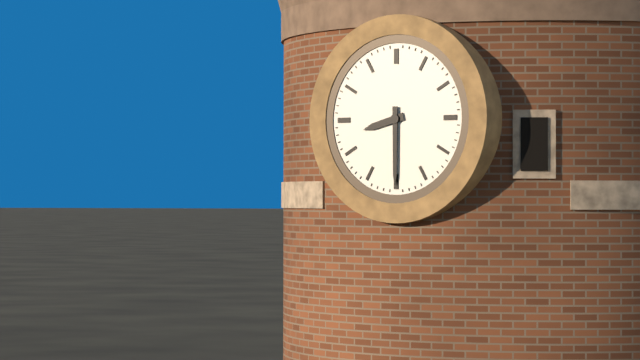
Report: 8:30
